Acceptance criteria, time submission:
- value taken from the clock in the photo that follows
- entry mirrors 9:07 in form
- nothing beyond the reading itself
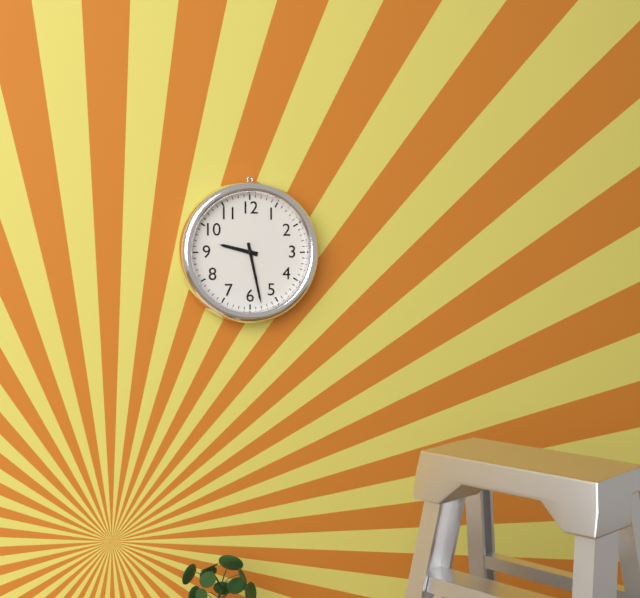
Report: 9:28
